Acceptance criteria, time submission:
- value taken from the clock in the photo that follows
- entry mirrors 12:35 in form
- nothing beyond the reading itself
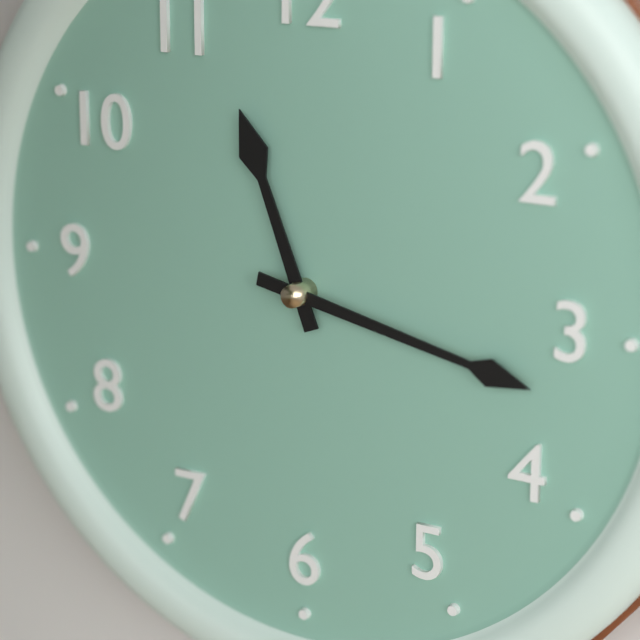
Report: 11:17
